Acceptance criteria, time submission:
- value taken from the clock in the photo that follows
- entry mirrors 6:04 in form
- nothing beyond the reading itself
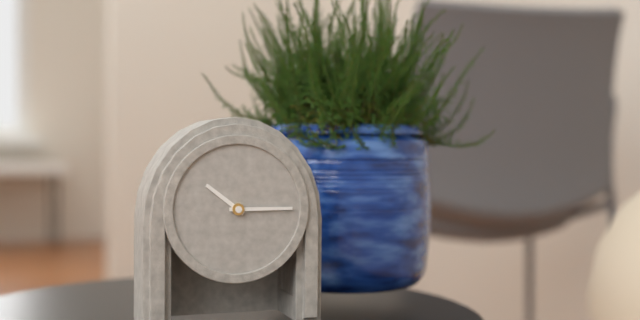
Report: 10:15
